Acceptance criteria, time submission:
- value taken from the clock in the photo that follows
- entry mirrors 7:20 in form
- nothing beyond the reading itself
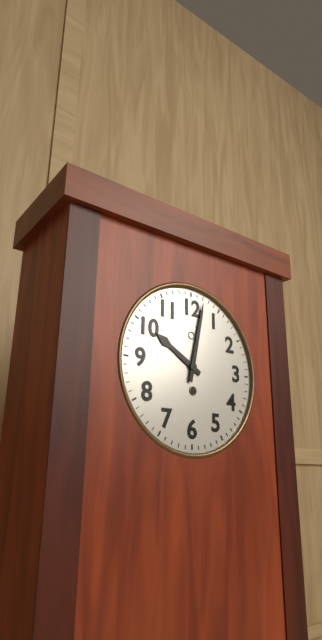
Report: 10:02
